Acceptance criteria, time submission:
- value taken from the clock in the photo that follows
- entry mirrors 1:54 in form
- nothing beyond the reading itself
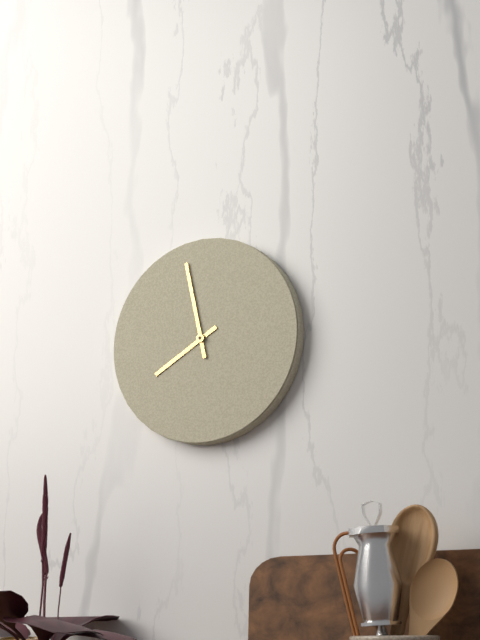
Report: 7:58
